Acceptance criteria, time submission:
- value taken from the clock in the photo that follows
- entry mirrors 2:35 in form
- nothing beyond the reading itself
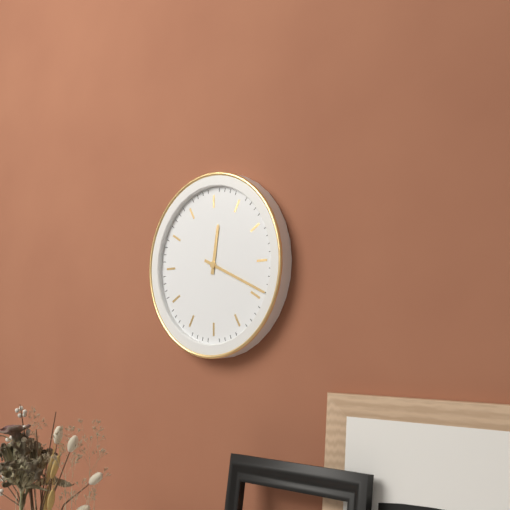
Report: 12:19
